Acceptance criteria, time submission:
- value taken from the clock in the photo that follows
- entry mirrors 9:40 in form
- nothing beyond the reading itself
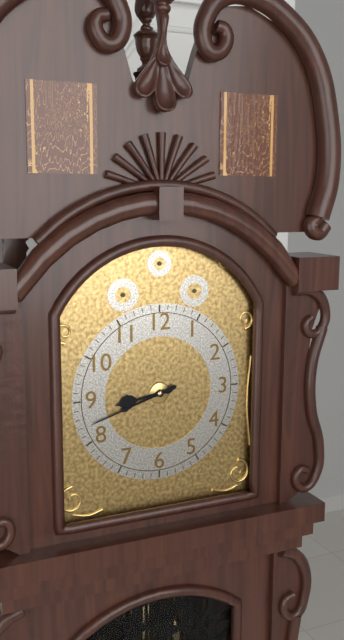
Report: 8:42
